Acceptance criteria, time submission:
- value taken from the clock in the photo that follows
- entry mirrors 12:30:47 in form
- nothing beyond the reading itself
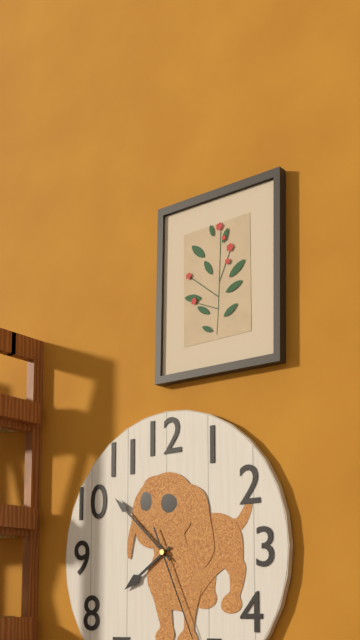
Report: 7:52:26
